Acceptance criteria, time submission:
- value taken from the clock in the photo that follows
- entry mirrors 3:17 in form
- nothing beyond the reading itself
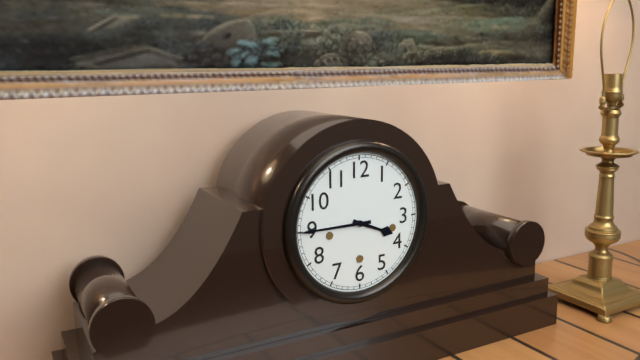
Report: 3:45
